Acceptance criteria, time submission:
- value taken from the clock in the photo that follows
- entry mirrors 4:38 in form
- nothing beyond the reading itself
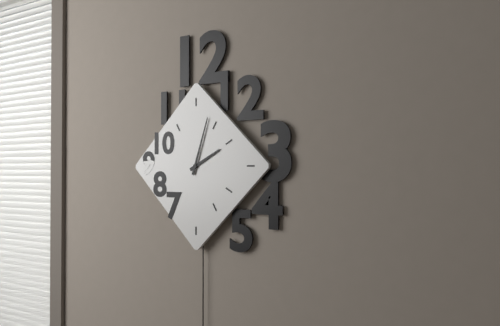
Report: 2:03
